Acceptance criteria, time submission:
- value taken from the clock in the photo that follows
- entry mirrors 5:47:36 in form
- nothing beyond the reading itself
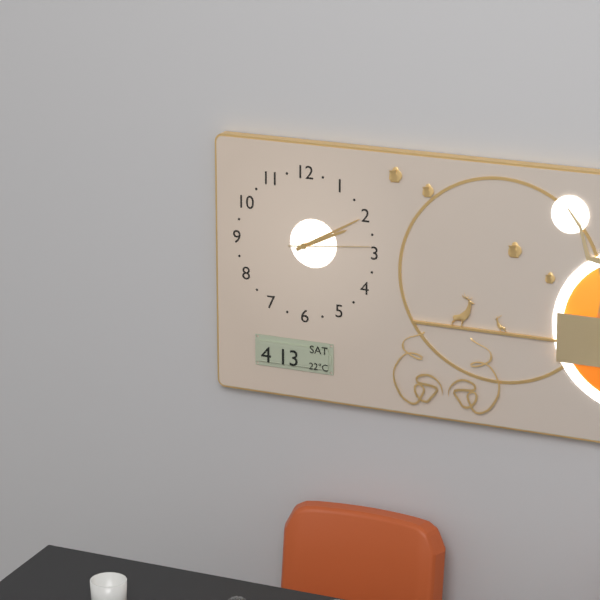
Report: 2:10:14
